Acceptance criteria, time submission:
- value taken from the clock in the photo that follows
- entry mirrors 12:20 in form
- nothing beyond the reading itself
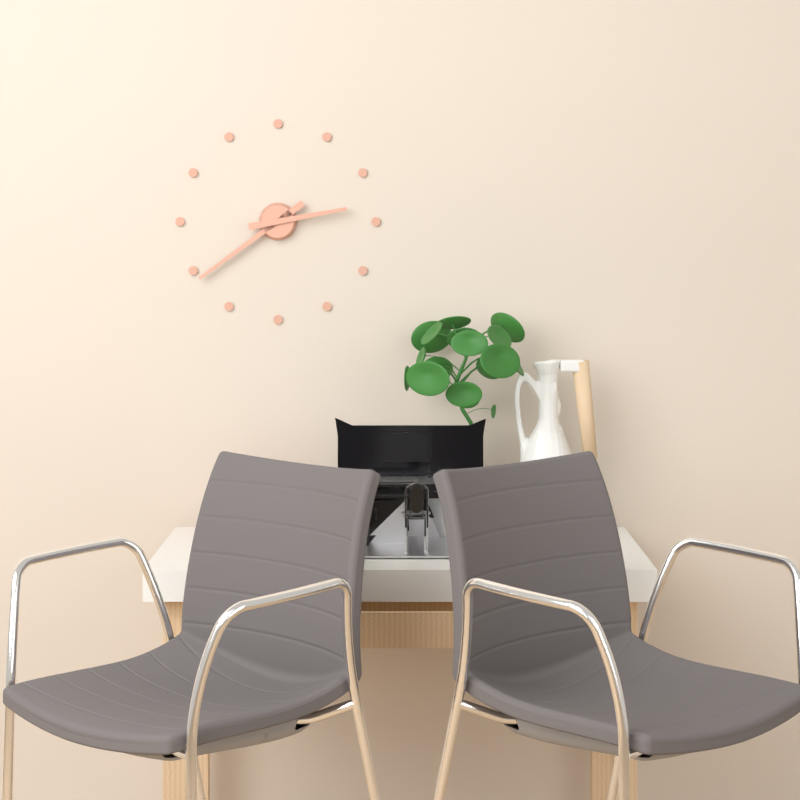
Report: 2:39
